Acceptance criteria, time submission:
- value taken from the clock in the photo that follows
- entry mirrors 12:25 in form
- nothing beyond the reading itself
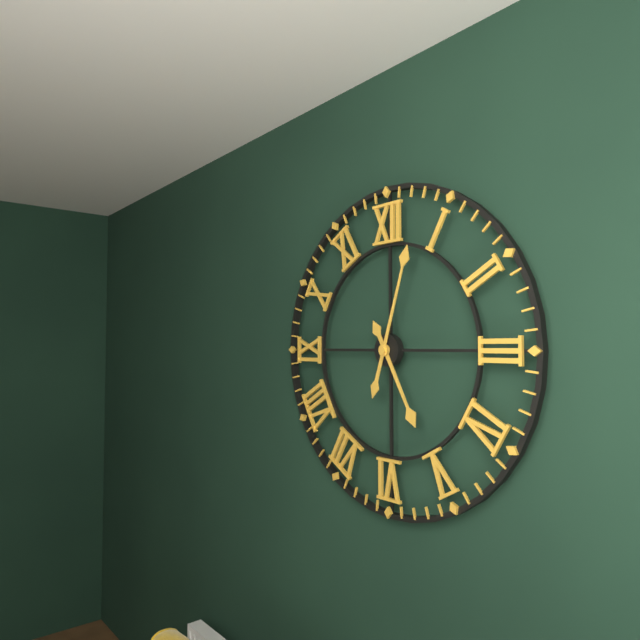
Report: 5:03
